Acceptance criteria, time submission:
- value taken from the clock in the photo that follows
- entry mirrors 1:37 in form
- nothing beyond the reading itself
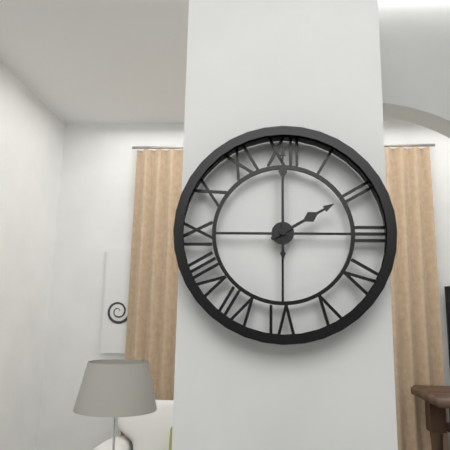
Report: 2:00
